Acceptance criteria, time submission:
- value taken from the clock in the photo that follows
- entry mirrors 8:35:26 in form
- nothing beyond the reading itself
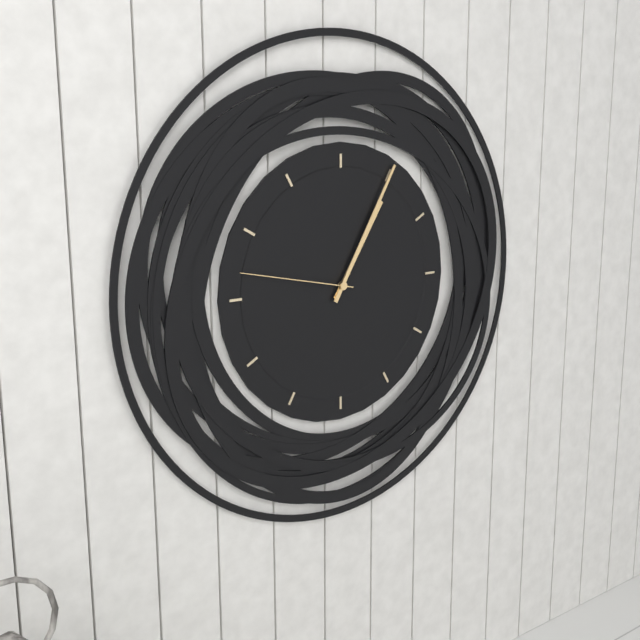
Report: 1:05:47
